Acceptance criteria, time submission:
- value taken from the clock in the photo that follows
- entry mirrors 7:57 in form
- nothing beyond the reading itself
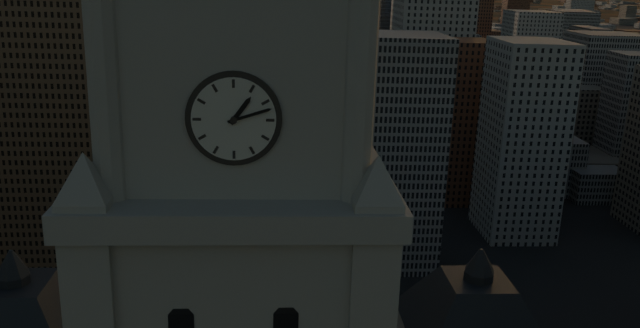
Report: 1:12
